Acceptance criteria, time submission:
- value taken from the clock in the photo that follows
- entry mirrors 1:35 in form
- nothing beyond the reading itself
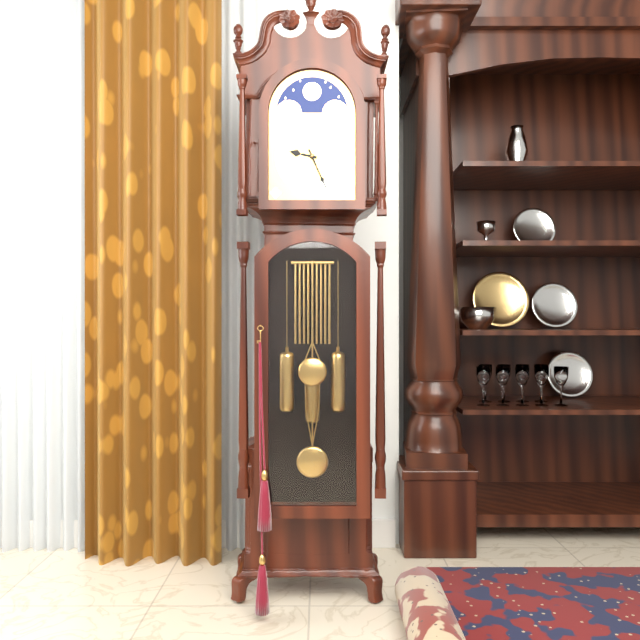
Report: 9:26
